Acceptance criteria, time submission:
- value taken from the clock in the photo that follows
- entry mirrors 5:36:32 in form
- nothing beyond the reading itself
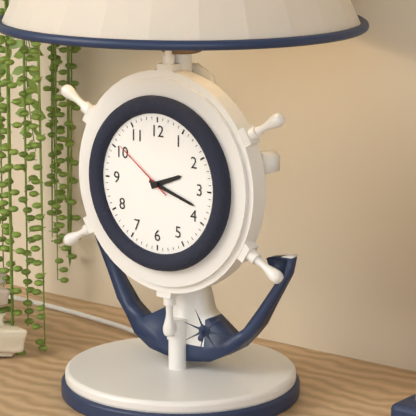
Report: 2:18:51
